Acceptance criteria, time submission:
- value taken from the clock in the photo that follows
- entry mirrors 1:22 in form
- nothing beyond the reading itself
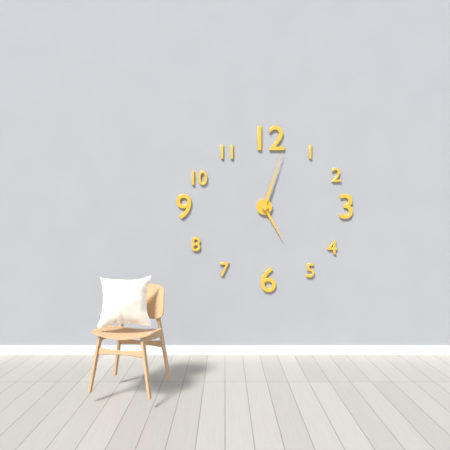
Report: 5:03
